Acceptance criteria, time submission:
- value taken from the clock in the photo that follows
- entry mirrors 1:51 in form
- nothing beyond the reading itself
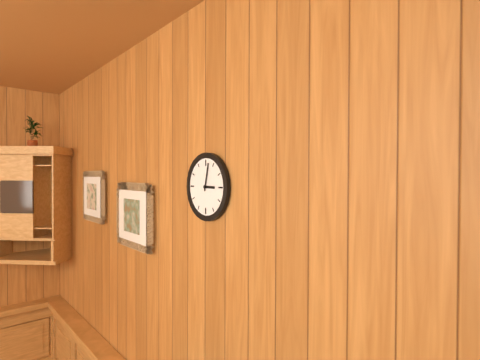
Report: 3:02
